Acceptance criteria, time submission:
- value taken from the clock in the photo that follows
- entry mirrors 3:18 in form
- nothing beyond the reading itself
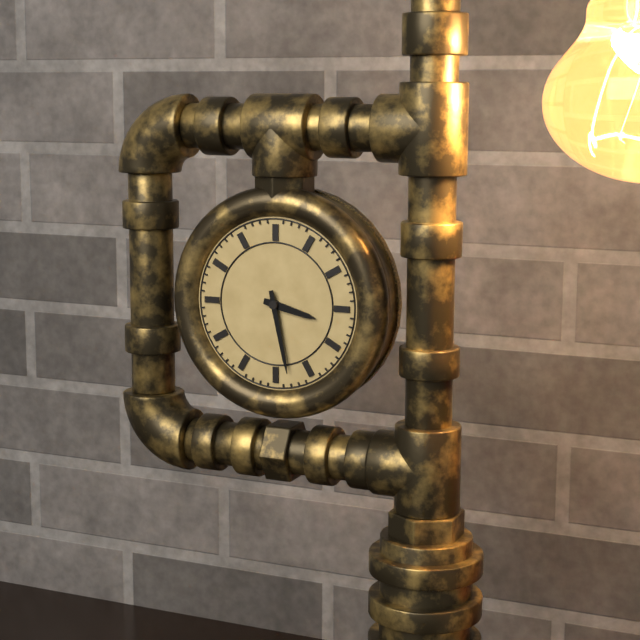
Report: 3:28
